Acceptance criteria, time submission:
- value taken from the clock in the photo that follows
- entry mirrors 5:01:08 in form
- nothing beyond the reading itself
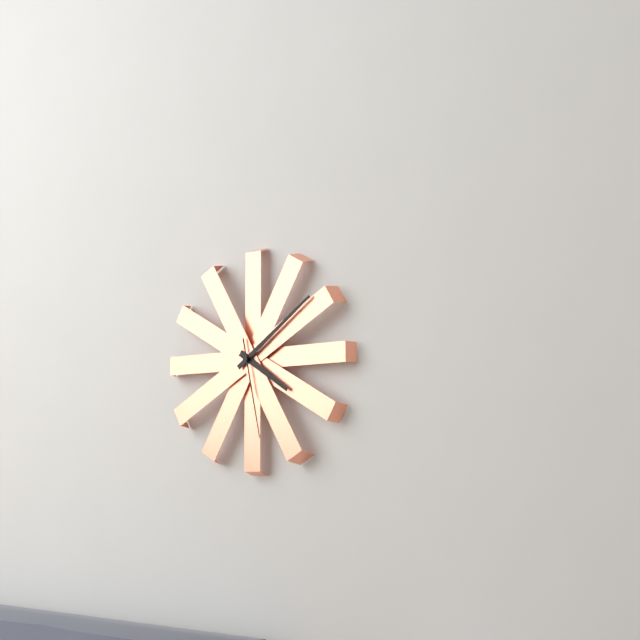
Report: 4:09:28
